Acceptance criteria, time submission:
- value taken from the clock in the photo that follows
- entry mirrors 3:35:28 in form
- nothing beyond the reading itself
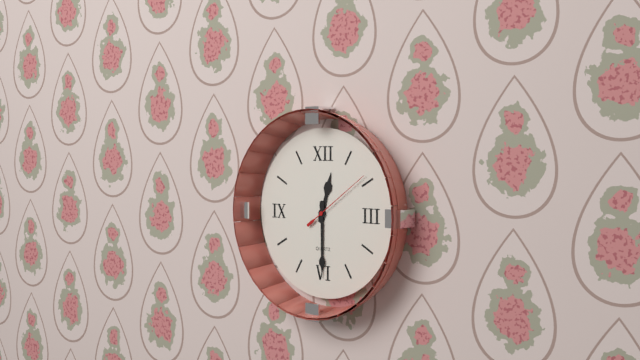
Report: 12:30:09
